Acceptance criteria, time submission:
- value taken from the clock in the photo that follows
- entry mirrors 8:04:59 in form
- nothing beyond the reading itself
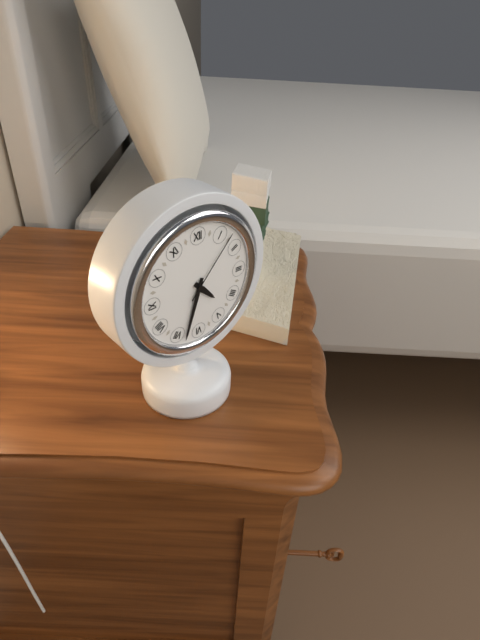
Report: 4:33:07
